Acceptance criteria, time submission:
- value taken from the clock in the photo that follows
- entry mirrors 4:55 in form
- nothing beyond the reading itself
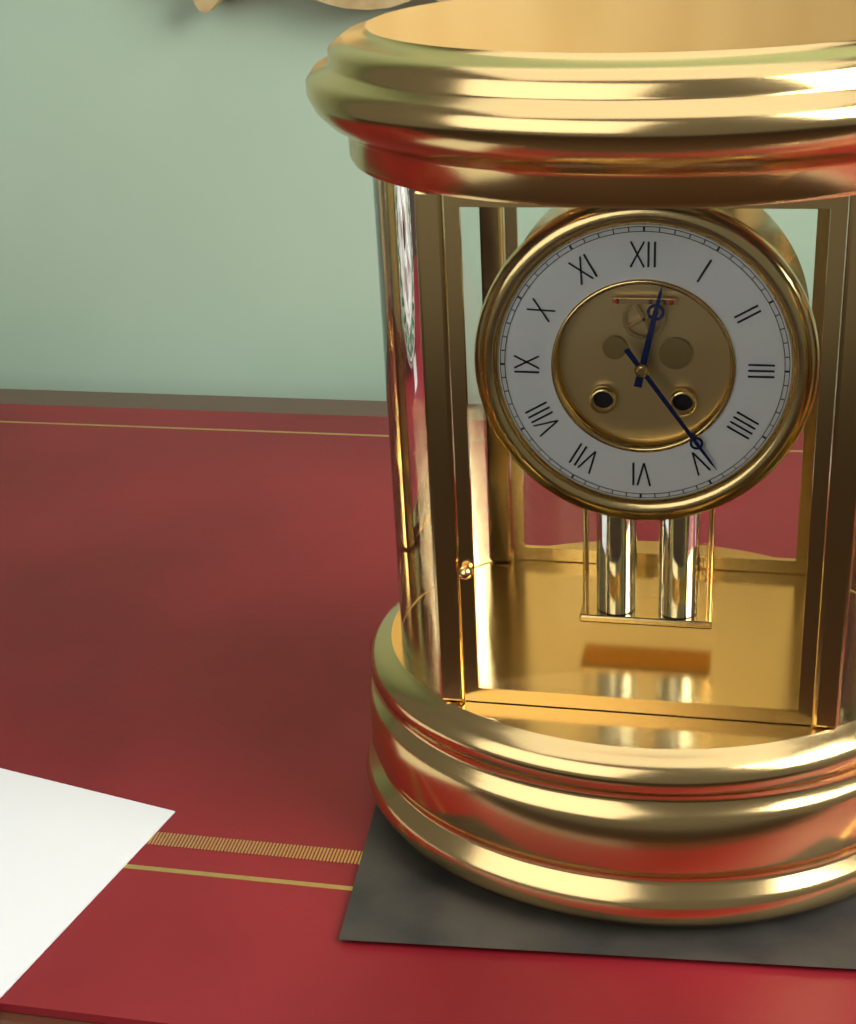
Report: 12:24
